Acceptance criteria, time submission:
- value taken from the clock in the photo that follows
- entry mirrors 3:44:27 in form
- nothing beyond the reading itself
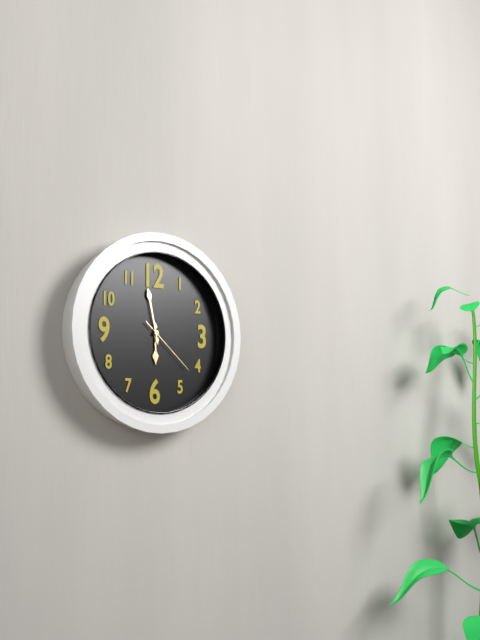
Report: 5:58:22
